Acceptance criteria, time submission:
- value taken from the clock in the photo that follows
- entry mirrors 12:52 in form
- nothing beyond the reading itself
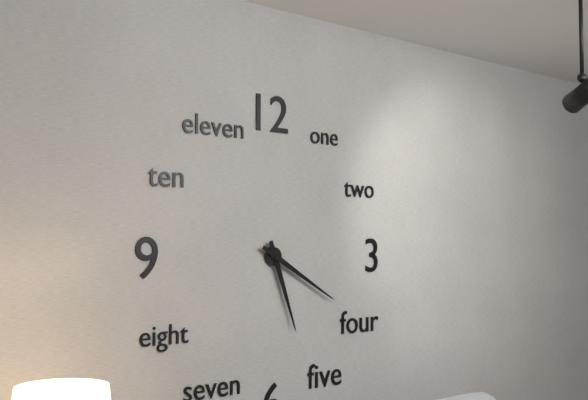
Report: 5:20
